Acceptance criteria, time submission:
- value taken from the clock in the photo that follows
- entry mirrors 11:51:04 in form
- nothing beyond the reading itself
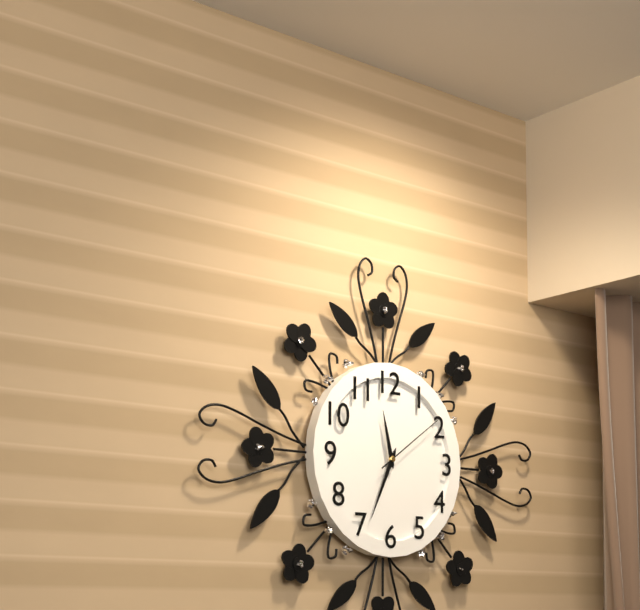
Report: 11:34:09
